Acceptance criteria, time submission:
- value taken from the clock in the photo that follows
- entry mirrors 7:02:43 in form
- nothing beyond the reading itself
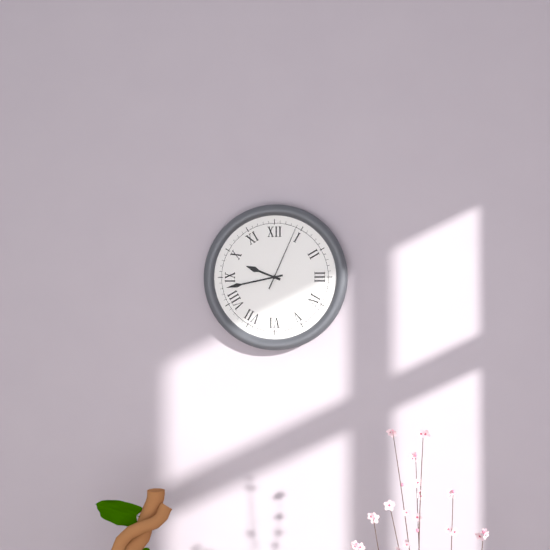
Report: 9:43:04
